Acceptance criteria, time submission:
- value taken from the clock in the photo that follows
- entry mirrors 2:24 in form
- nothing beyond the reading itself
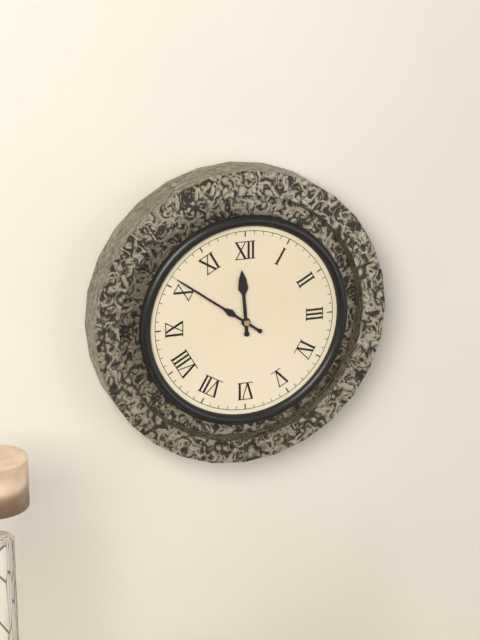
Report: 11:51
